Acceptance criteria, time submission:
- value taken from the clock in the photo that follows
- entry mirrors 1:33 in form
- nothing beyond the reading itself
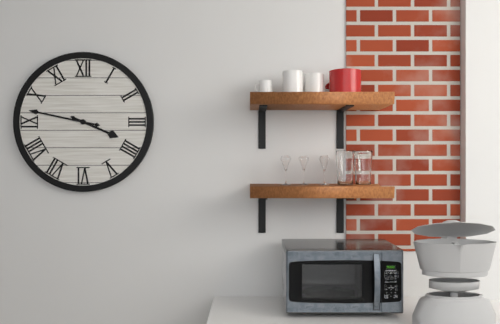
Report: 3:47
